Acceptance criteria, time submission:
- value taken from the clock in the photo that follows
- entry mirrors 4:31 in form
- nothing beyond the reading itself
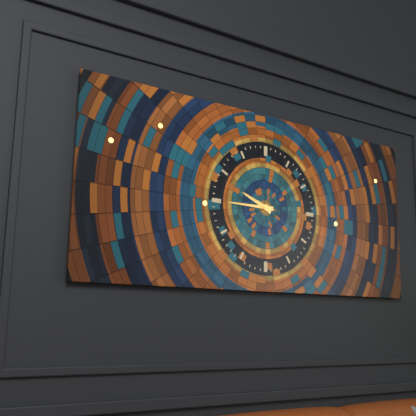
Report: 9:45
